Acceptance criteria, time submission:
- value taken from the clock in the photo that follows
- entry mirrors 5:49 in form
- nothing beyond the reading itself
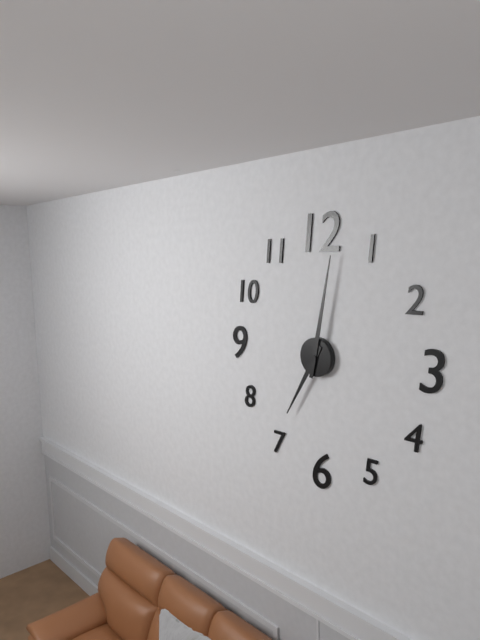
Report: 7:02
